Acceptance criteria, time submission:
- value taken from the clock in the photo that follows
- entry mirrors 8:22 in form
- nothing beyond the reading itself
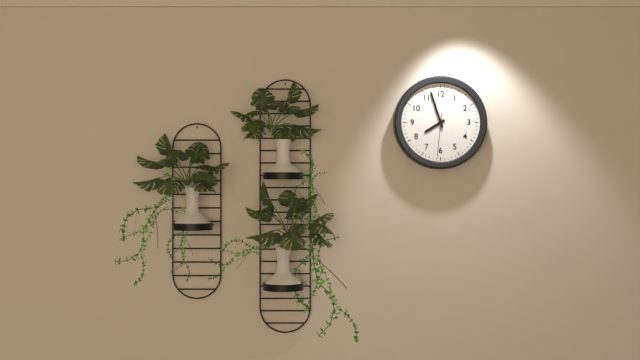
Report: 7:57
